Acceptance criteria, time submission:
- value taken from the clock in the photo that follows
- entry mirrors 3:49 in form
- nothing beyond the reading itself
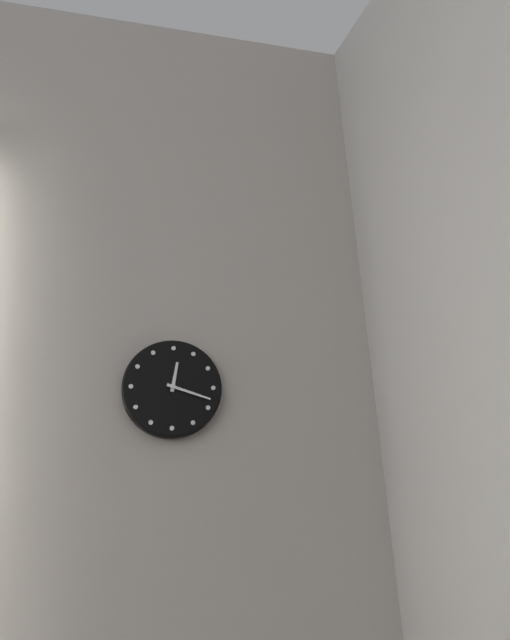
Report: 12:18
